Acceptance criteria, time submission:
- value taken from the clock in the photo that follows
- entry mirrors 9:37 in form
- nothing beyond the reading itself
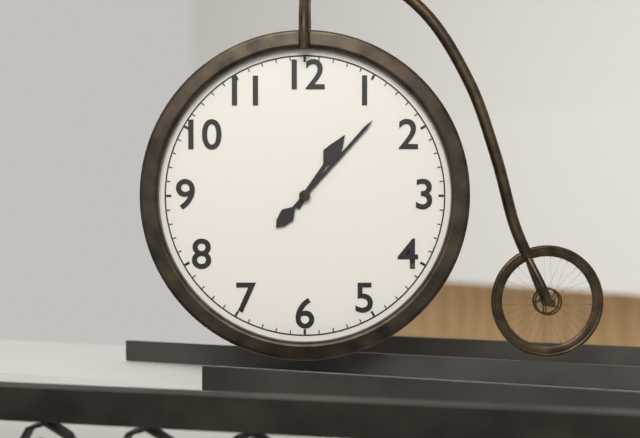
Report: 1:07
